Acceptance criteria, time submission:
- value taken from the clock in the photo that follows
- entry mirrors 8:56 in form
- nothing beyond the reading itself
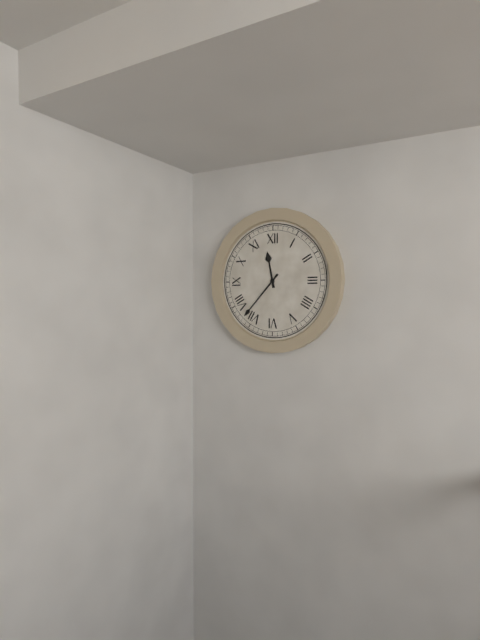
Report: 11:37
